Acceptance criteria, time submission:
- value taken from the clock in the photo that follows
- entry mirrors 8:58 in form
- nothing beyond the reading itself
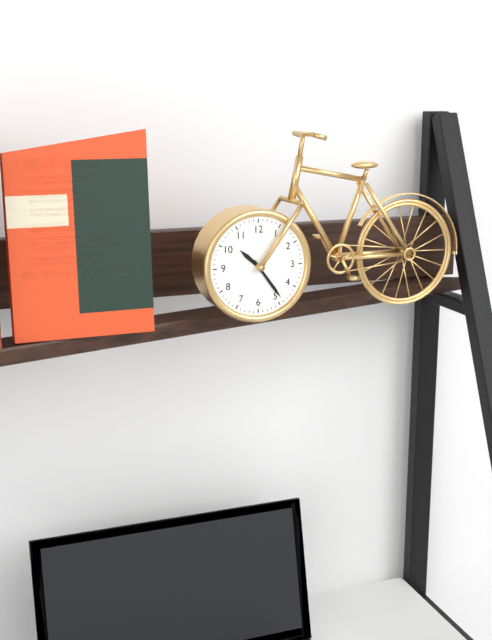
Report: 10:24
